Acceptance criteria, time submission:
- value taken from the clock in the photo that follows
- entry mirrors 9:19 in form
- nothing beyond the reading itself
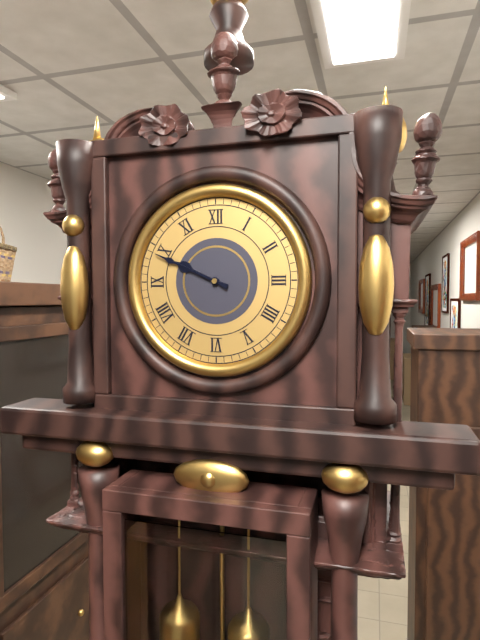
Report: 9:49
